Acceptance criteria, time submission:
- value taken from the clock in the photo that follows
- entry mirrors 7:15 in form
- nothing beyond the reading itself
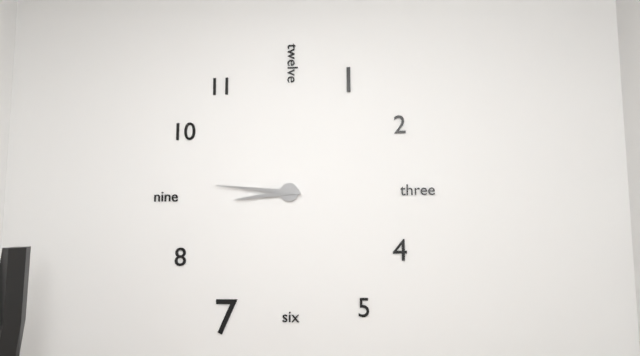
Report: 8:46
